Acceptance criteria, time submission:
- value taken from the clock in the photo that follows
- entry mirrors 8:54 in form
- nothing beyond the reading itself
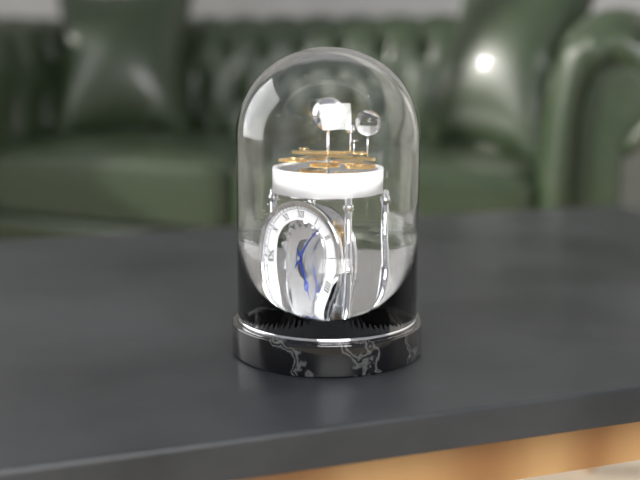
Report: 5:07
